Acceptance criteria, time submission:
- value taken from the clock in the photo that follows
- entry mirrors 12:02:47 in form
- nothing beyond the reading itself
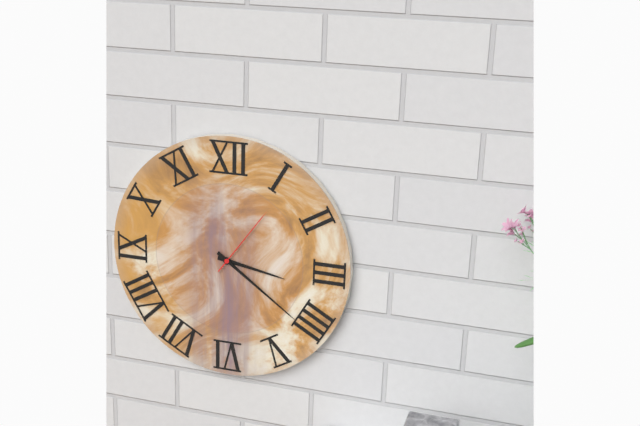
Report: 3:21:06
